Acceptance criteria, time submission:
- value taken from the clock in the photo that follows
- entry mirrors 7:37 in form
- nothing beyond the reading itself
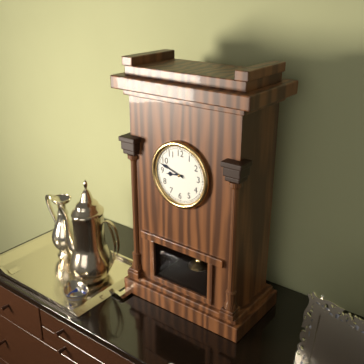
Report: 8:48
